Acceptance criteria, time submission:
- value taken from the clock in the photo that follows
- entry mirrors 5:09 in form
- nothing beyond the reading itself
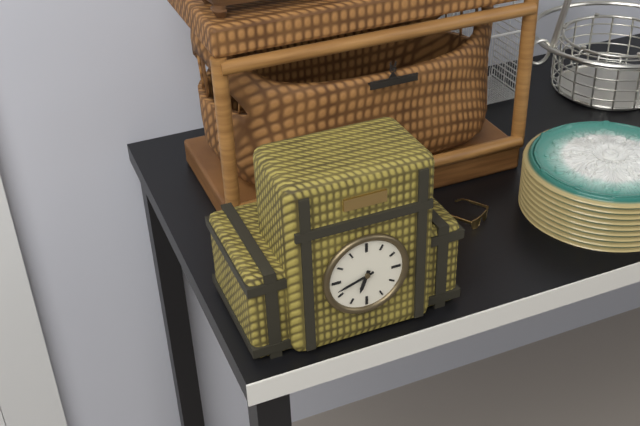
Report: 6:42
